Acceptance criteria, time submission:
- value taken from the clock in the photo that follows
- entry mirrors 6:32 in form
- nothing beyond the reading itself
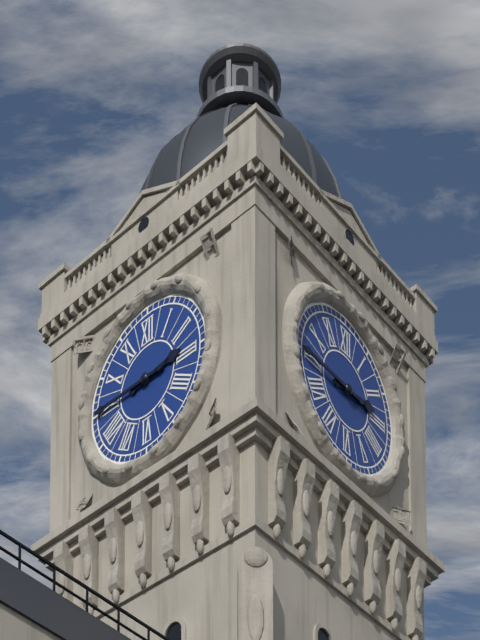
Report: 2:45
